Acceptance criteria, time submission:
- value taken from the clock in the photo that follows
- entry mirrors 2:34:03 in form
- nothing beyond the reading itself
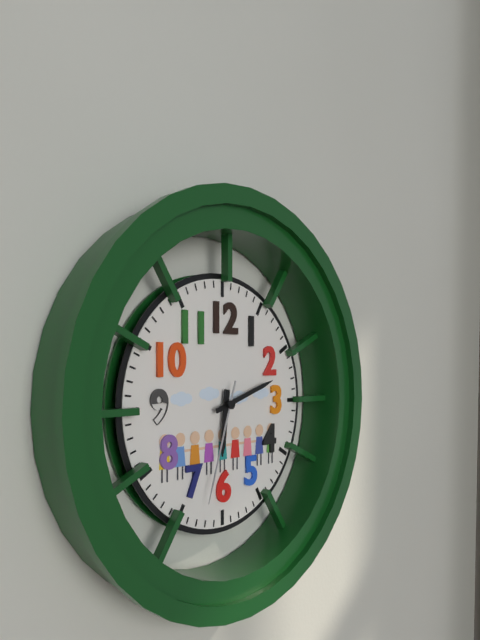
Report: 6:12:33
